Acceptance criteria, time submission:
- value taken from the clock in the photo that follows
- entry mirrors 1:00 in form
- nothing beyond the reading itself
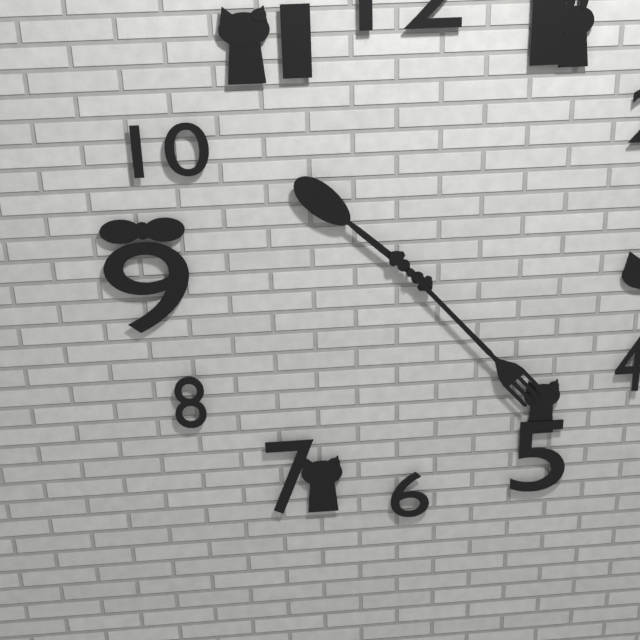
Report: 10:23
